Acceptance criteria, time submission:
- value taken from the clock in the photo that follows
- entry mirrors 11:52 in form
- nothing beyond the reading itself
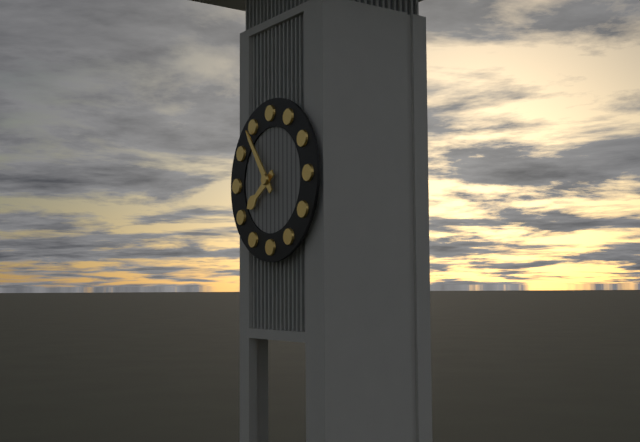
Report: 7:54
